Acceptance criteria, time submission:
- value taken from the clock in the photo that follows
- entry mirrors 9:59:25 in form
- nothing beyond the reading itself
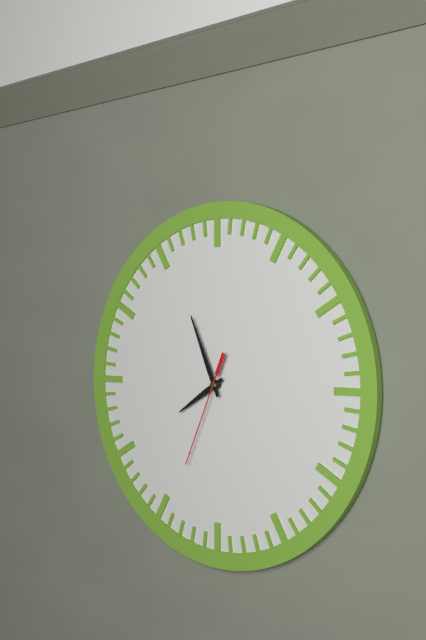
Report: 7:56:34
